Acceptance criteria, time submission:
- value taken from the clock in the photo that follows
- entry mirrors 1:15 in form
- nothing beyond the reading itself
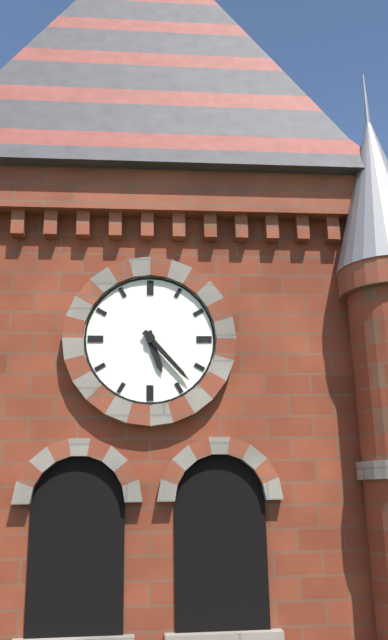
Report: 5:23
